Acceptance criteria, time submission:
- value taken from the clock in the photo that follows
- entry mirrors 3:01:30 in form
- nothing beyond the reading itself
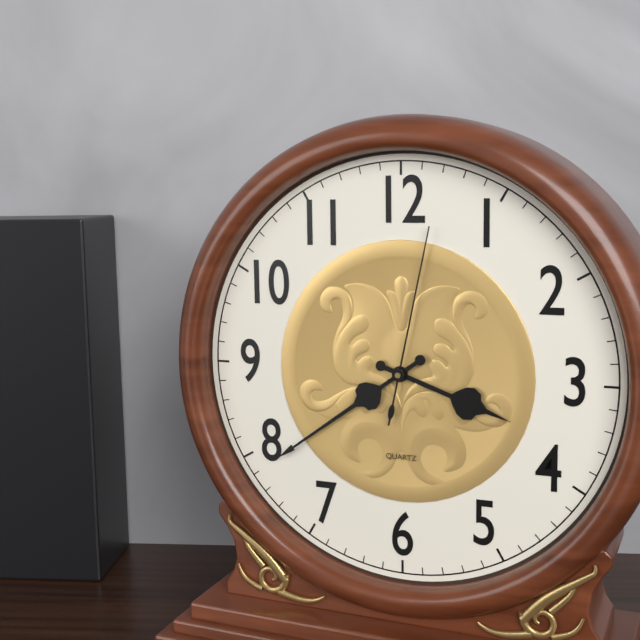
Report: 3:39:02
